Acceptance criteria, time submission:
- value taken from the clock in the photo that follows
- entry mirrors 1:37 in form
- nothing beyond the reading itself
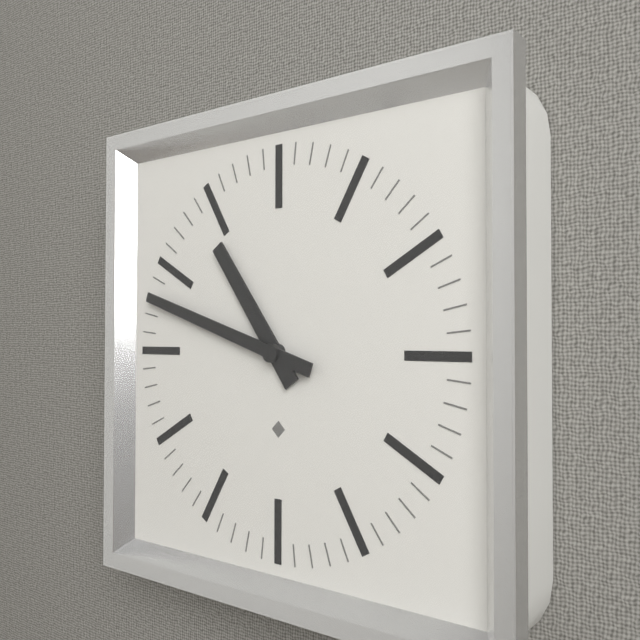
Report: 10:48
